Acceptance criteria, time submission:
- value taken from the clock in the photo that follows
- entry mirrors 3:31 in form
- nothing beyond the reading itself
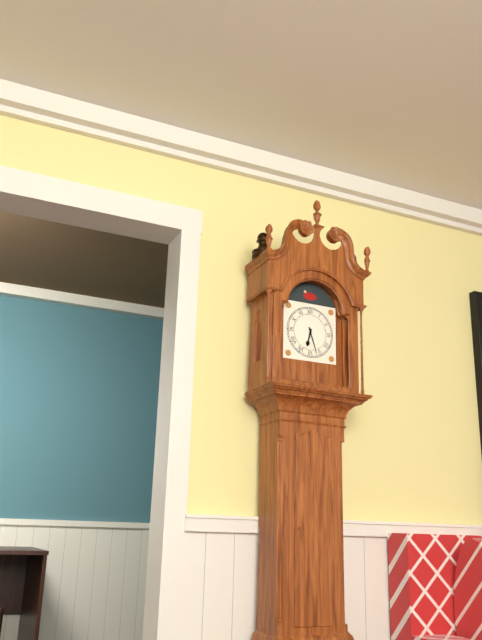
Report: 6:27
